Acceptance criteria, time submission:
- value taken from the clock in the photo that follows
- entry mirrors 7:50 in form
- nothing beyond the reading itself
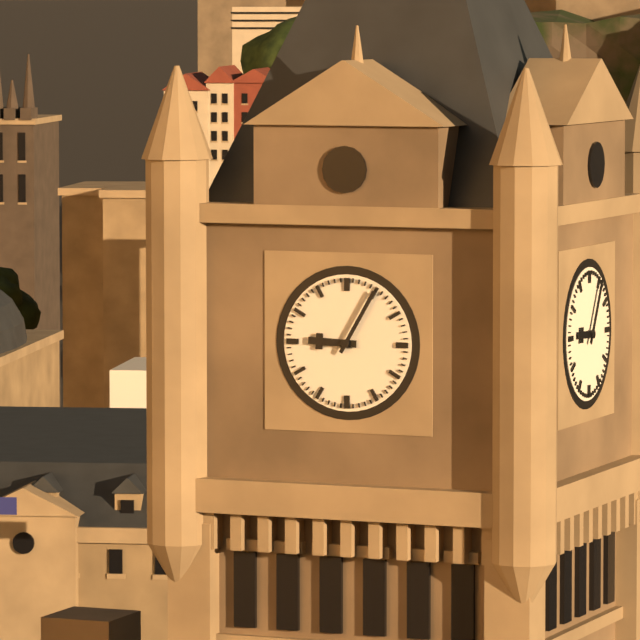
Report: 9:05
